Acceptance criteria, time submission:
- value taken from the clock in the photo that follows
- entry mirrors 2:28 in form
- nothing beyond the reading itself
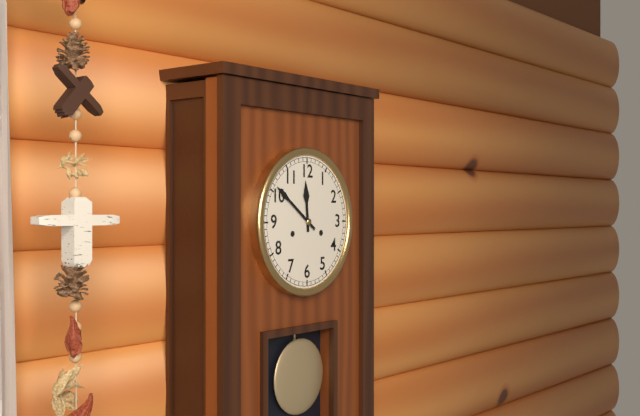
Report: 11:51
